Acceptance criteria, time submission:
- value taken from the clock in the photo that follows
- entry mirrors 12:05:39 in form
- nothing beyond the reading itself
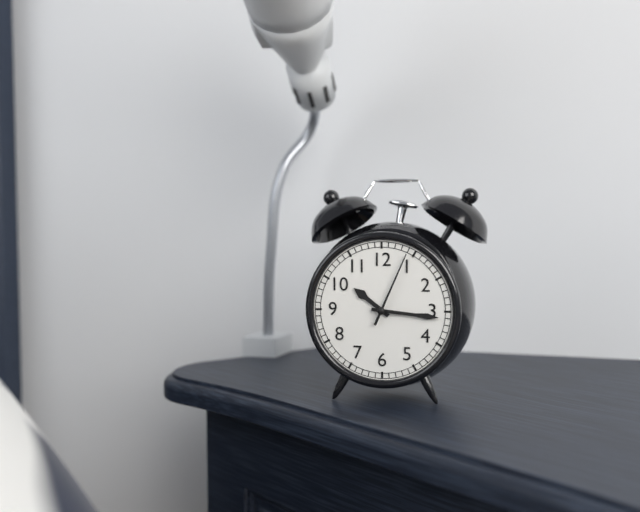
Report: 10:16:04
